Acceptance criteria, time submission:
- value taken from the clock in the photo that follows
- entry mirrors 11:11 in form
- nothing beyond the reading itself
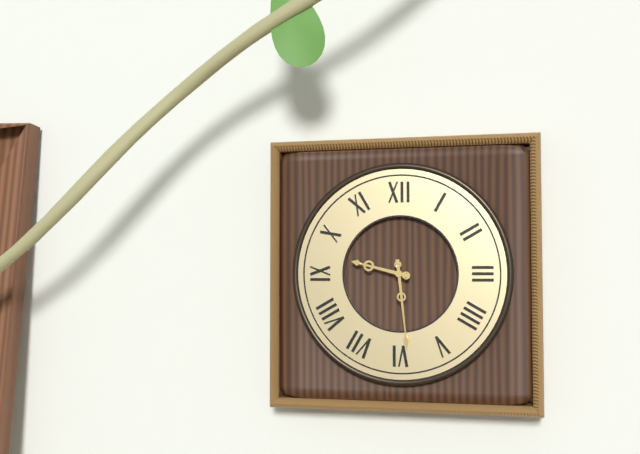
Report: 9:29
